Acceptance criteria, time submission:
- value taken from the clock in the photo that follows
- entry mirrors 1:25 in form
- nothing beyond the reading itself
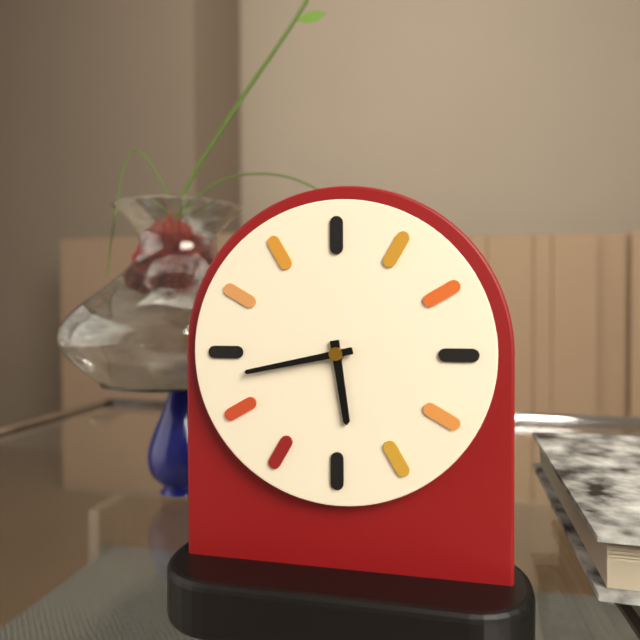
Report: 5:43
